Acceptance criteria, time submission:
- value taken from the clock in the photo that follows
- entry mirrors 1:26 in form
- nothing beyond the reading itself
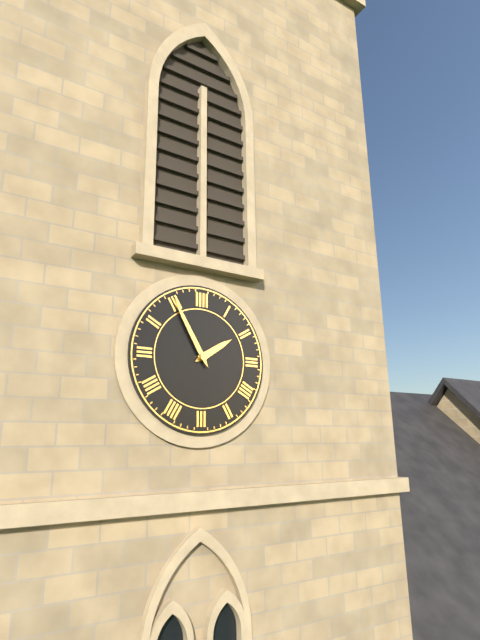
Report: 1:55
